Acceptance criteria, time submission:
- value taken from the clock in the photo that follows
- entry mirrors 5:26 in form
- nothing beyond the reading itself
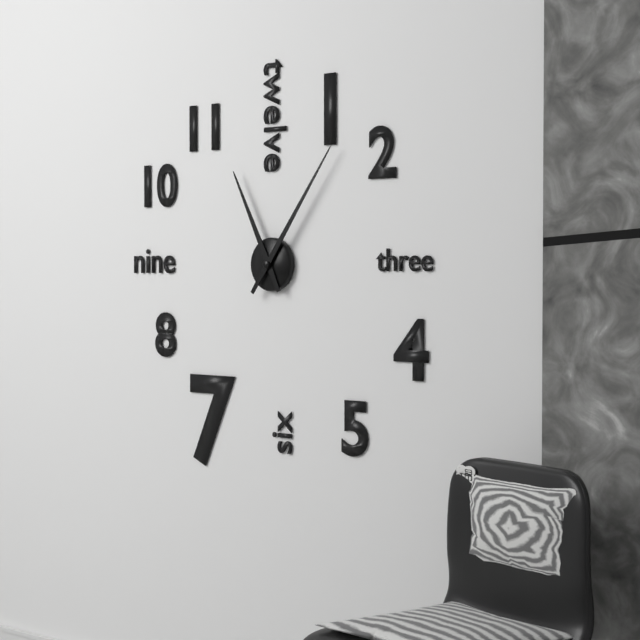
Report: 11:06
